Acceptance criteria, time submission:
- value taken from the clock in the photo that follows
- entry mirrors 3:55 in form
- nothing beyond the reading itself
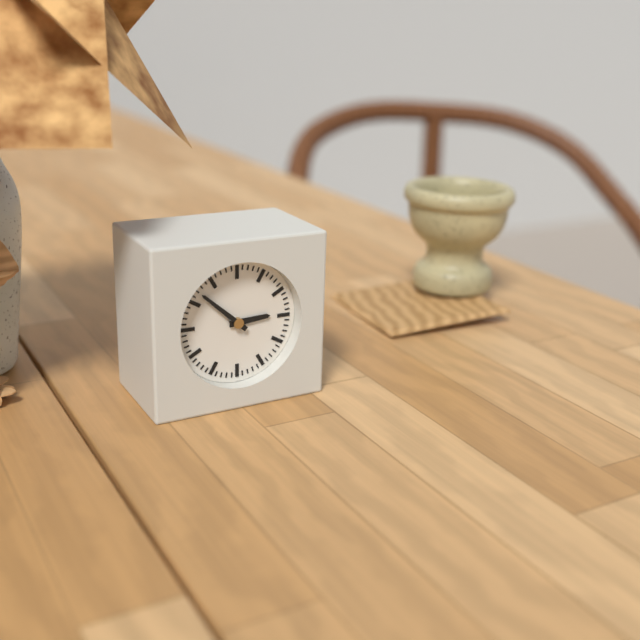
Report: 2:52
